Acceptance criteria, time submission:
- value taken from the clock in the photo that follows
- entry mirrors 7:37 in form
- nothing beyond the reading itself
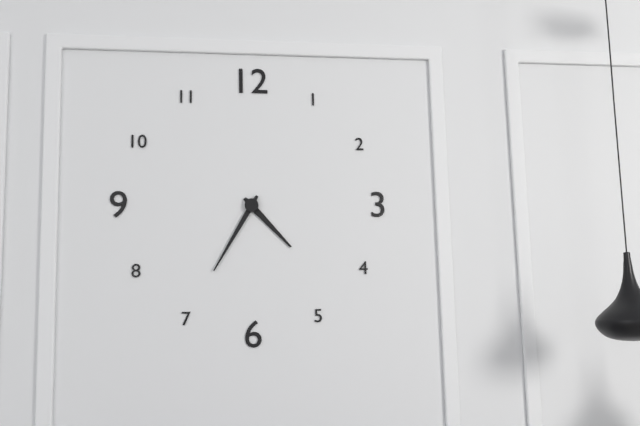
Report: 4:35
